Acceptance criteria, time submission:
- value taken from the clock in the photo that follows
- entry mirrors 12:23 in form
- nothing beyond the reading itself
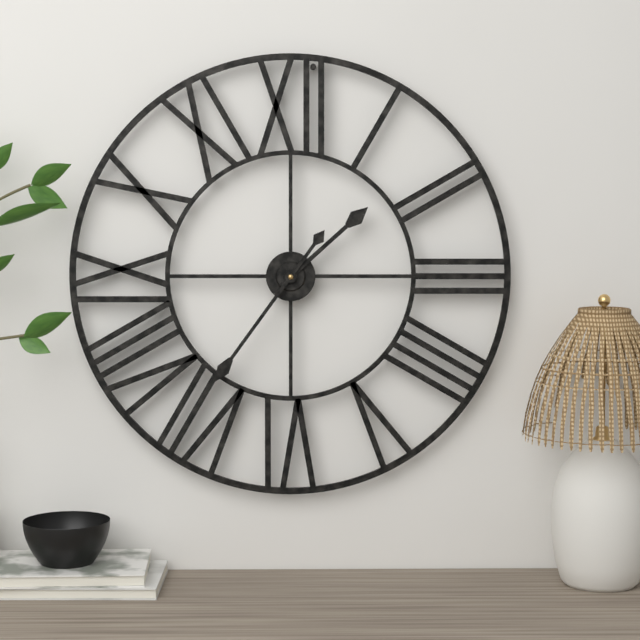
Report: 1:36
